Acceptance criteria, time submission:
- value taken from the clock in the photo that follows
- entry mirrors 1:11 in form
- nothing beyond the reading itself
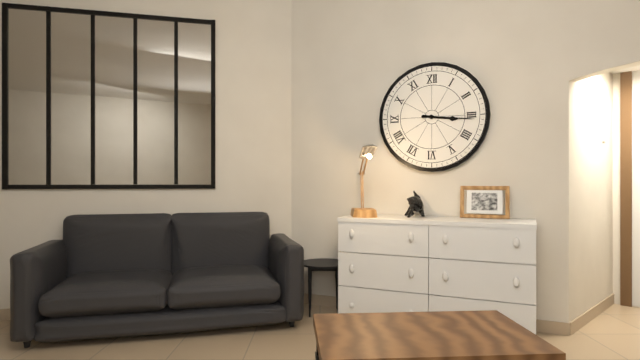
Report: 3:16
